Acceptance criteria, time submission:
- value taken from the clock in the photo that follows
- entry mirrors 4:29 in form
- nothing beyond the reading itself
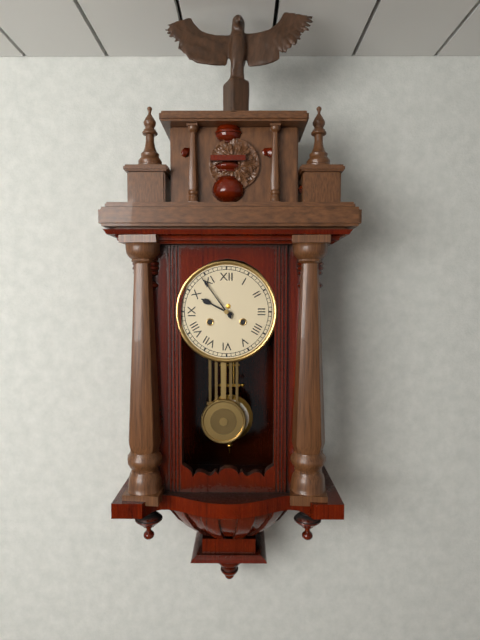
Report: 9:54
